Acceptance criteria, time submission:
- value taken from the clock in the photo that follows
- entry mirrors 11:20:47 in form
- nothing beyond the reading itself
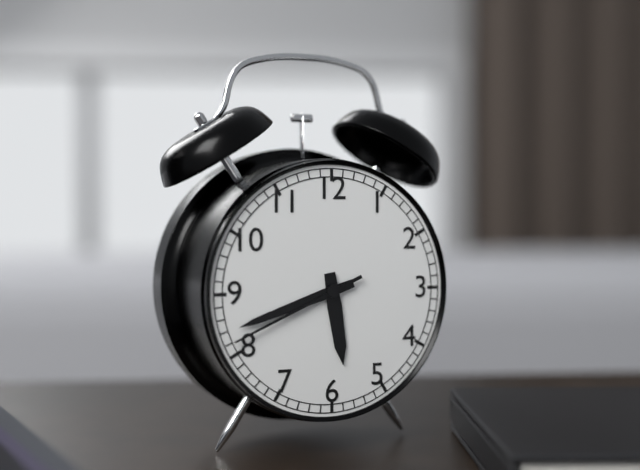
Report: 5:42:41
